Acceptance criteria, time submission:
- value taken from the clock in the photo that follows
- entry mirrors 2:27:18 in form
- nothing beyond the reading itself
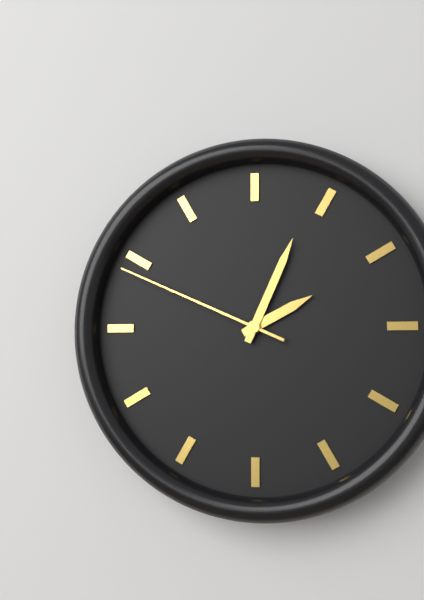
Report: 2:04:49
